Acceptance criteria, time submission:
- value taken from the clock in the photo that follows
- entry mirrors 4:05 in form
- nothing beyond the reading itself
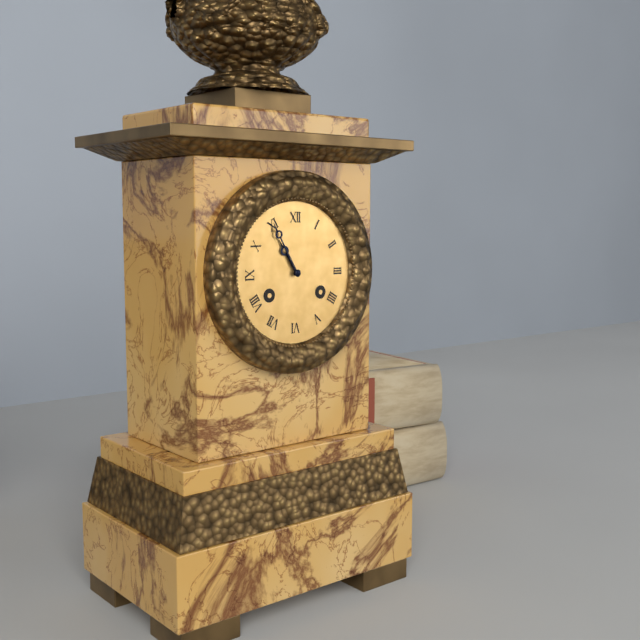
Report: 10:55
